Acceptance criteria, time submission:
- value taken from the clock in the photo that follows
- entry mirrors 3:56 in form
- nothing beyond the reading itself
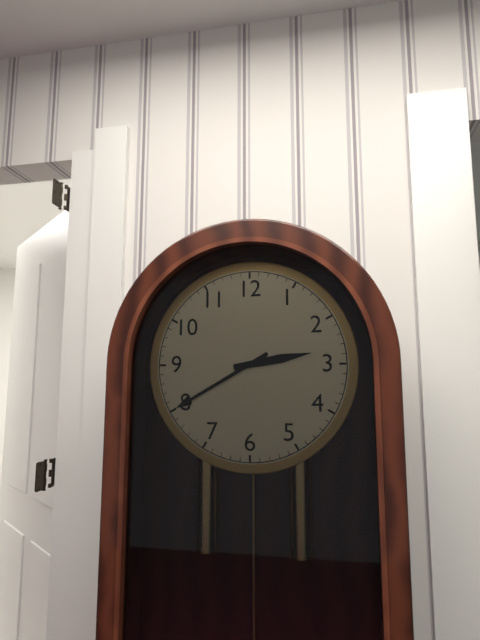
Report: 2:40
